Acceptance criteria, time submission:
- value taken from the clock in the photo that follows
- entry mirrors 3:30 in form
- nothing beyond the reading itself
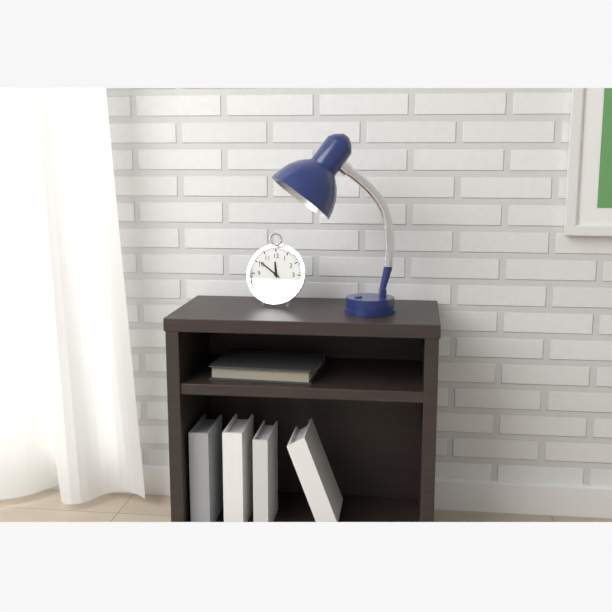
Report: 11:51
